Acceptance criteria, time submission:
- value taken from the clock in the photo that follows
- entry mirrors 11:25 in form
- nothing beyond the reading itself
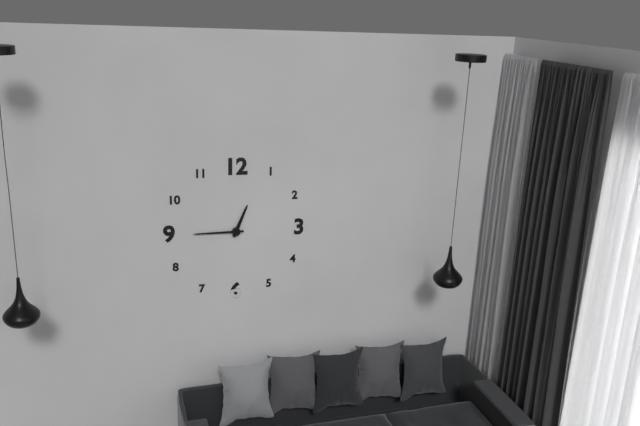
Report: 12:45
